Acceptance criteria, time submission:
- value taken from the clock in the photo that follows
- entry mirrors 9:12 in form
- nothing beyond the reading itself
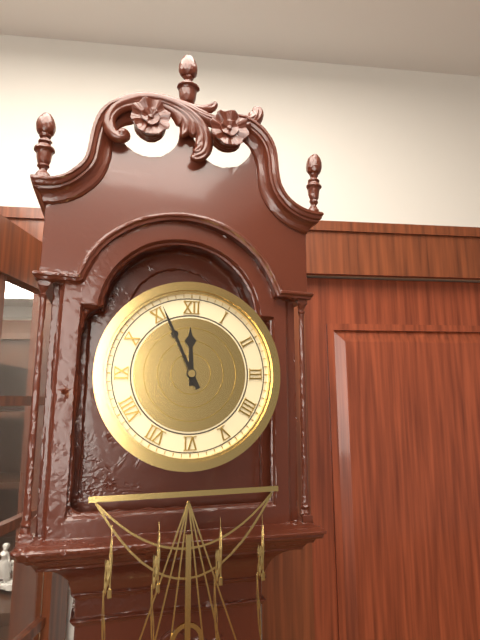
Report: 11:56
